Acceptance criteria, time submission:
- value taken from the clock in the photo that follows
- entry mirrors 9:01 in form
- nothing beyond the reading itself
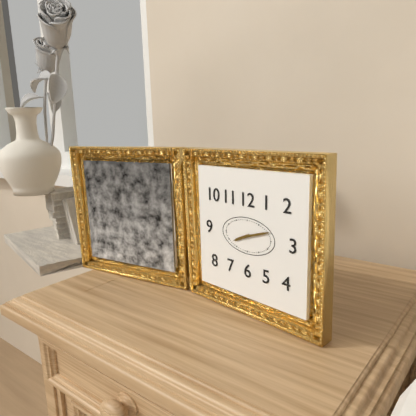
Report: 8:12
